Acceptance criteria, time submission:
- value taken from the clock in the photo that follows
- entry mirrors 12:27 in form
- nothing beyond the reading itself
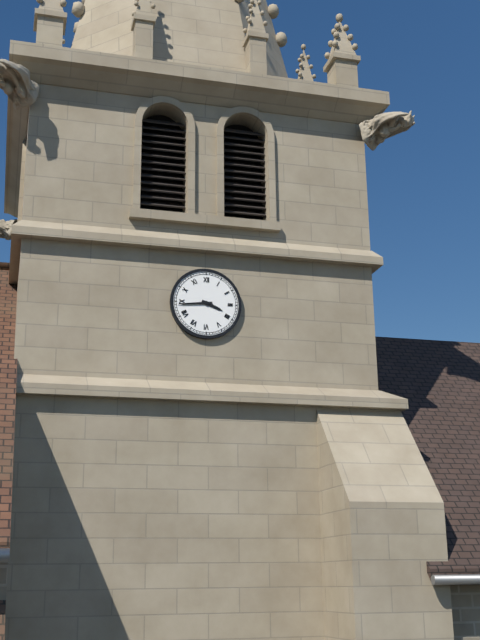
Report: 3:44
